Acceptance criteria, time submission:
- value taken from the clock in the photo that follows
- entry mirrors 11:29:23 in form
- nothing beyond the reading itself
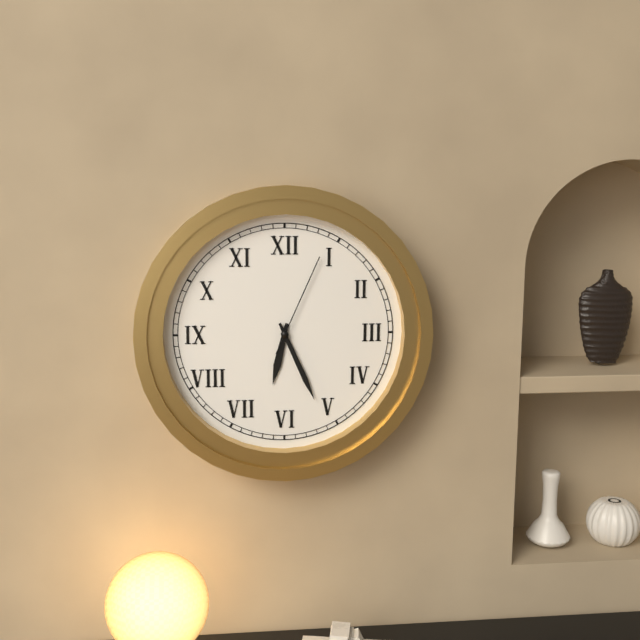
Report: 6:26:04
